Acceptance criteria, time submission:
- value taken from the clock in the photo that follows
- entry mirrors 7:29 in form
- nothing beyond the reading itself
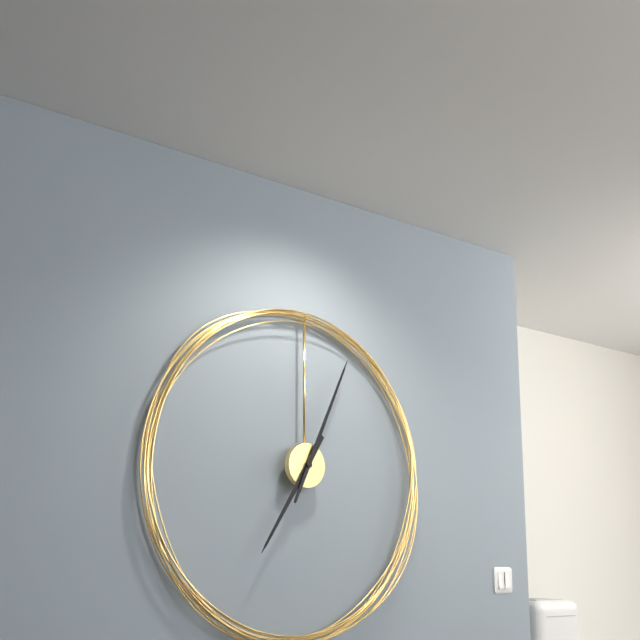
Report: 7:04
